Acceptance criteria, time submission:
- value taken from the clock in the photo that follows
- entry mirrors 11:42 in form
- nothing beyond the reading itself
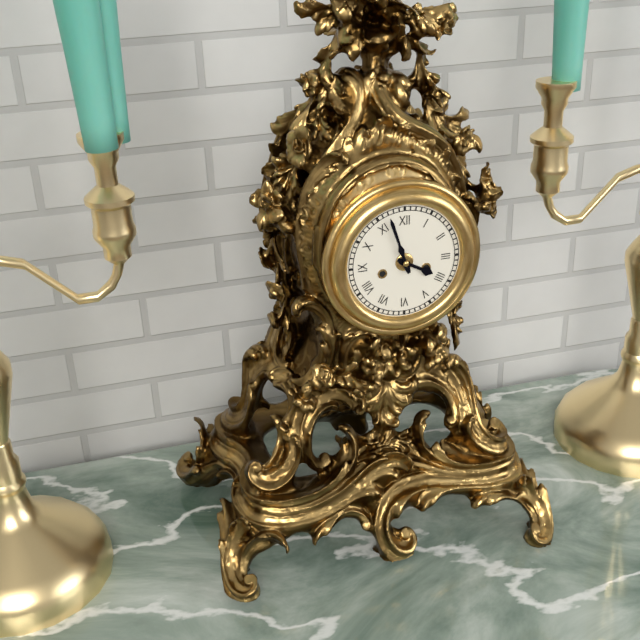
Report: 3:57
